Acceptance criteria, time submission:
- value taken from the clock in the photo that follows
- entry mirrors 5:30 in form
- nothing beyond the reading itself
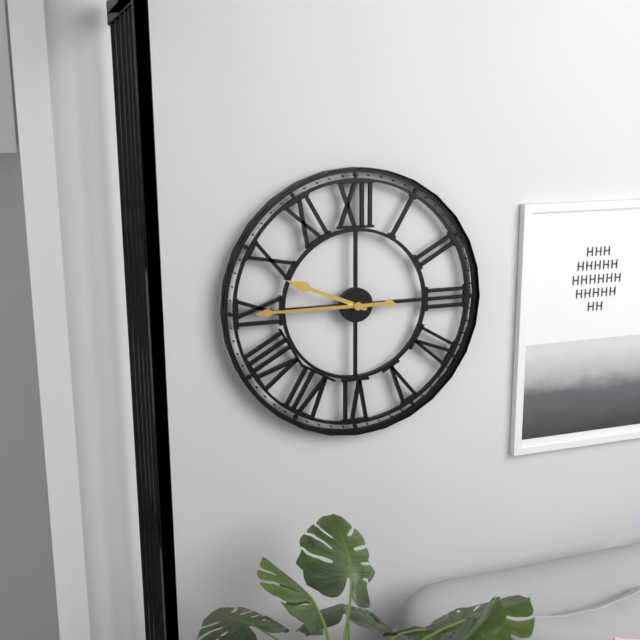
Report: 9:45
